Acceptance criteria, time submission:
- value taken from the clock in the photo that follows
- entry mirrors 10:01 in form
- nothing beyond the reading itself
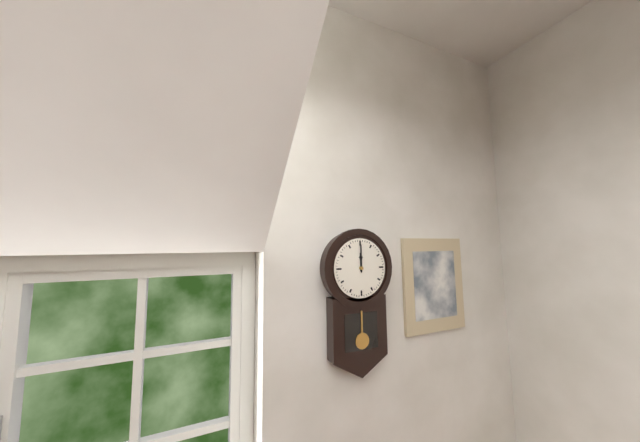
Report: 12:00
